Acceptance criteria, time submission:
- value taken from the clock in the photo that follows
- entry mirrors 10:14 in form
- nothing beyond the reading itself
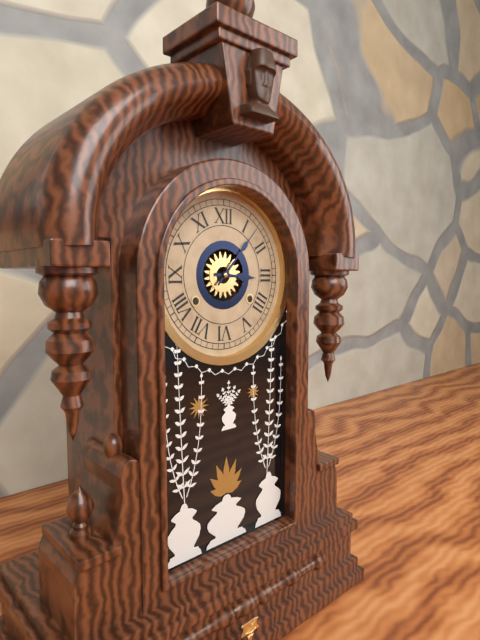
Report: 3:07
